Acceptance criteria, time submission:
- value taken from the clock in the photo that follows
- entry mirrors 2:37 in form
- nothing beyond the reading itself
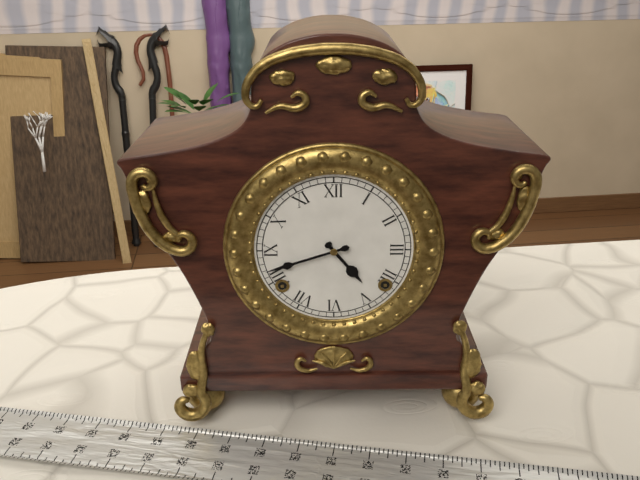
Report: 4:42
